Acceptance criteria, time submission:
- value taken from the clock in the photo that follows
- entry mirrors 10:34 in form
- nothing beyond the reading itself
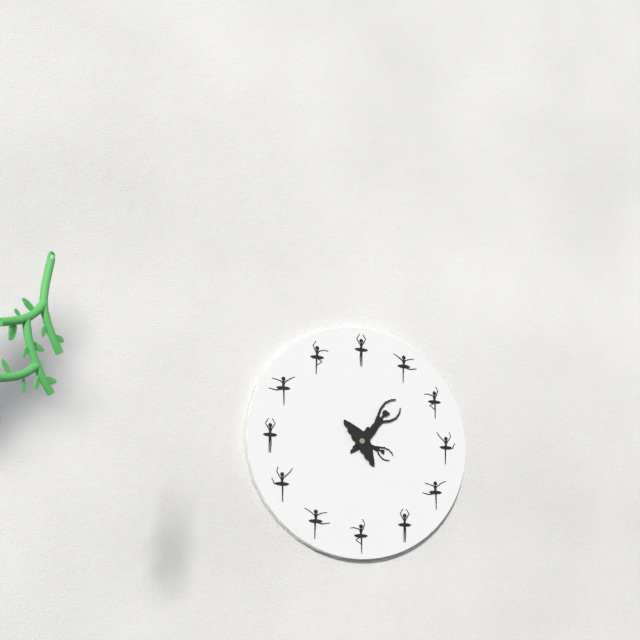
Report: 4:09
